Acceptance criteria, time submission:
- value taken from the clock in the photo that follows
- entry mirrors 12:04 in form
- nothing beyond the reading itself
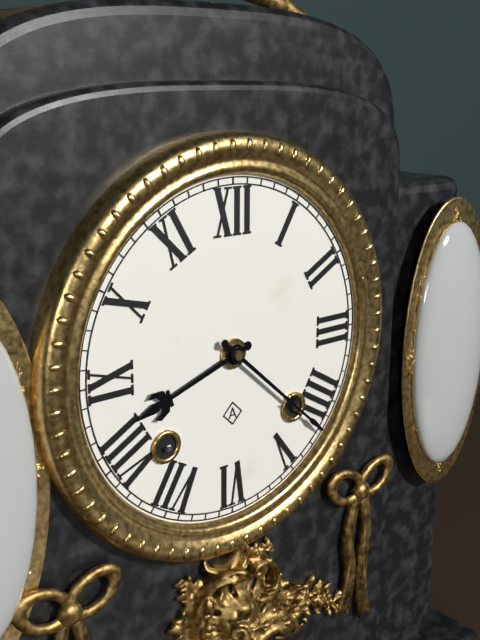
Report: 8:22
